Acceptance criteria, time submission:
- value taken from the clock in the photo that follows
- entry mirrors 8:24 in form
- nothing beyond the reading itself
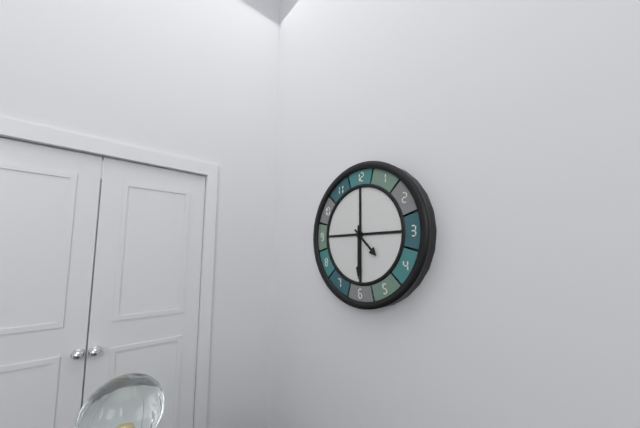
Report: 4:30
